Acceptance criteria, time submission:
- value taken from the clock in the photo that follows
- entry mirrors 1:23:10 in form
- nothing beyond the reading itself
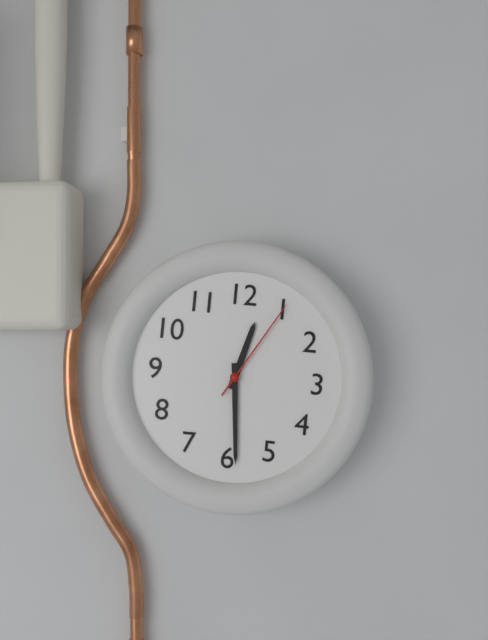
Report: 12:29:05
